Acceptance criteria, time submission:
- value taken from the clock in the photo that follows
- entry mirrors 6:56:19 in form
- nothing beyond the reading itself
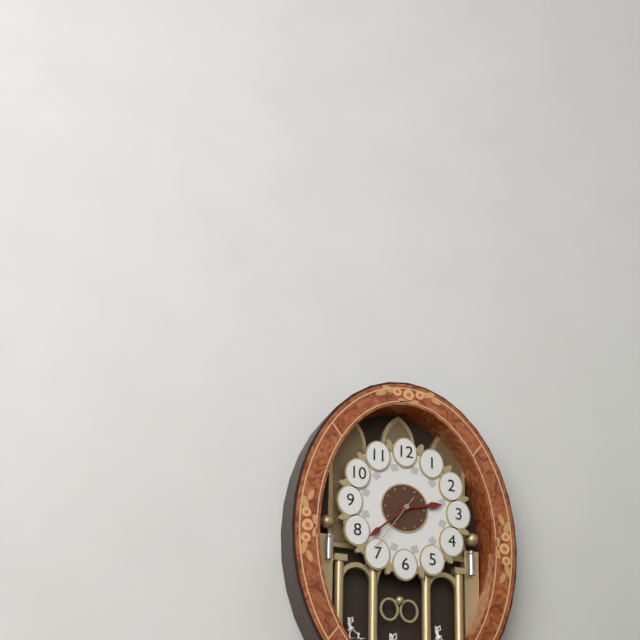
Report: 2:38:36
